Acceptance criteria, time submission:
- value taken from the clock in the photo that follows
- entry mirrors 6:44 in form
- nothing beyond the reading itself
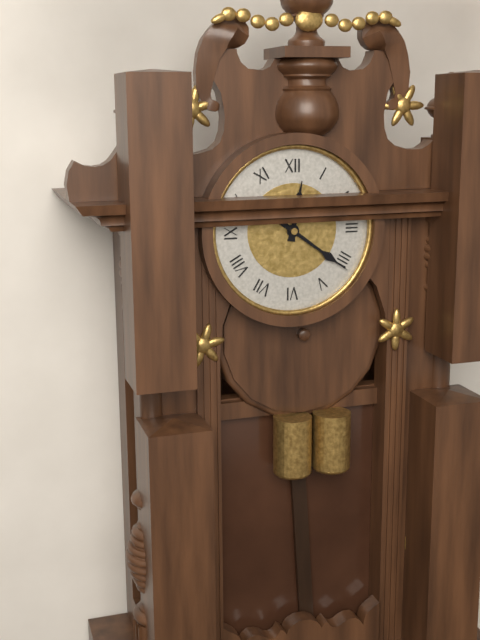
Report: 12:21
